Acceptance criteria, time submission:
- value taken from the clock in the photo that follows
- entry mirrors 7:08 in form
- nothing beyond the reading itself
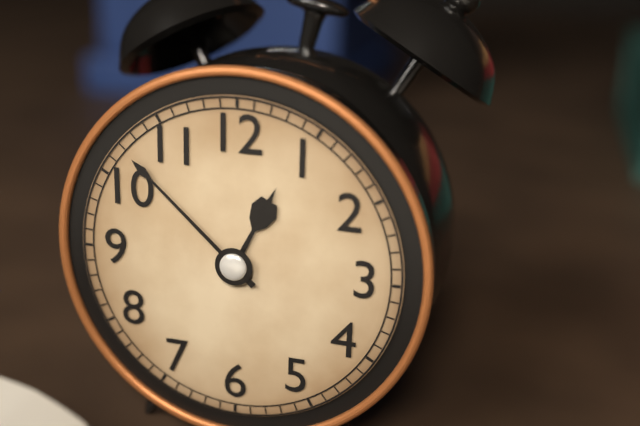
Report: 12:52
